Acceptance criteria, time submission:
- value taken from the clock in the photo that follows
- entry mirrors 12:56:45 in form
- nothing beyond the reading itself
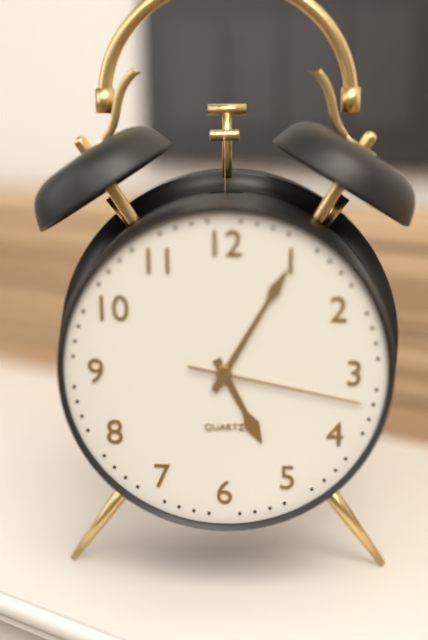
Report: 5:05:17
